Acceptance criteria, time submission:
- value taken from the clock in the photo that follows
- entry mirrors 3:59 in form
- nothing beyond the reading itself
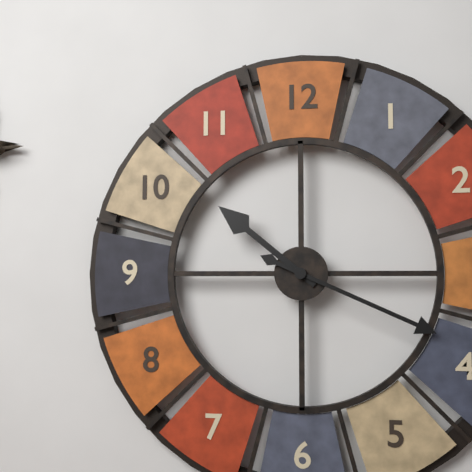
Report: 10:19
